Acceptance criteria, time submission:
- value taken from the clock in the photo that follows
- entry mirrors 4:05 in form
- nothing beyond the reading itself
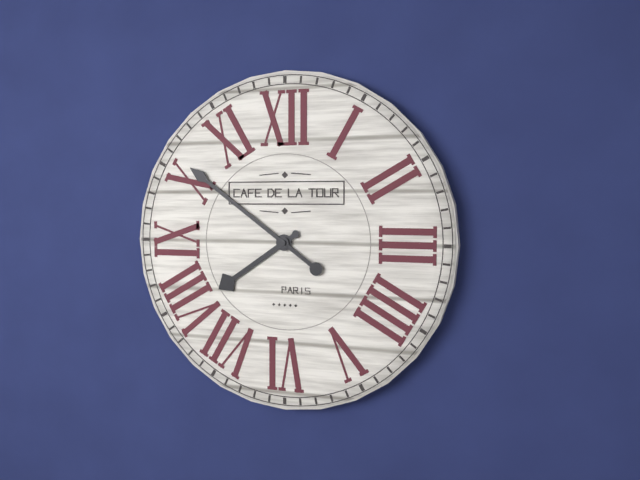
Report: 7:51
